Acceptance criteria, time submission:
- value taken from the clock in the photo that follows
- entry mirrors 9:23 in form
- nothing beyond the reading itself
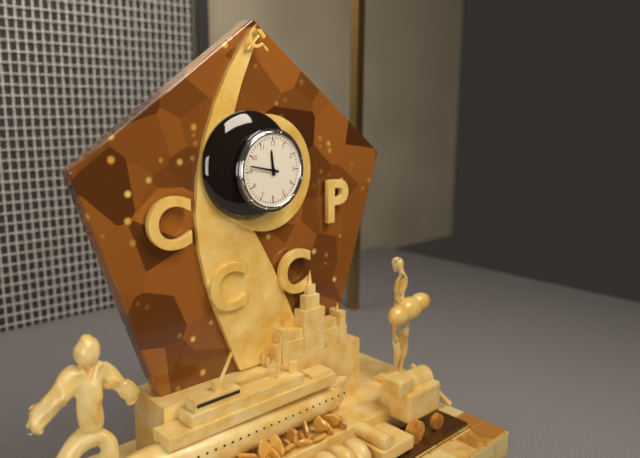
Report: 11:47
